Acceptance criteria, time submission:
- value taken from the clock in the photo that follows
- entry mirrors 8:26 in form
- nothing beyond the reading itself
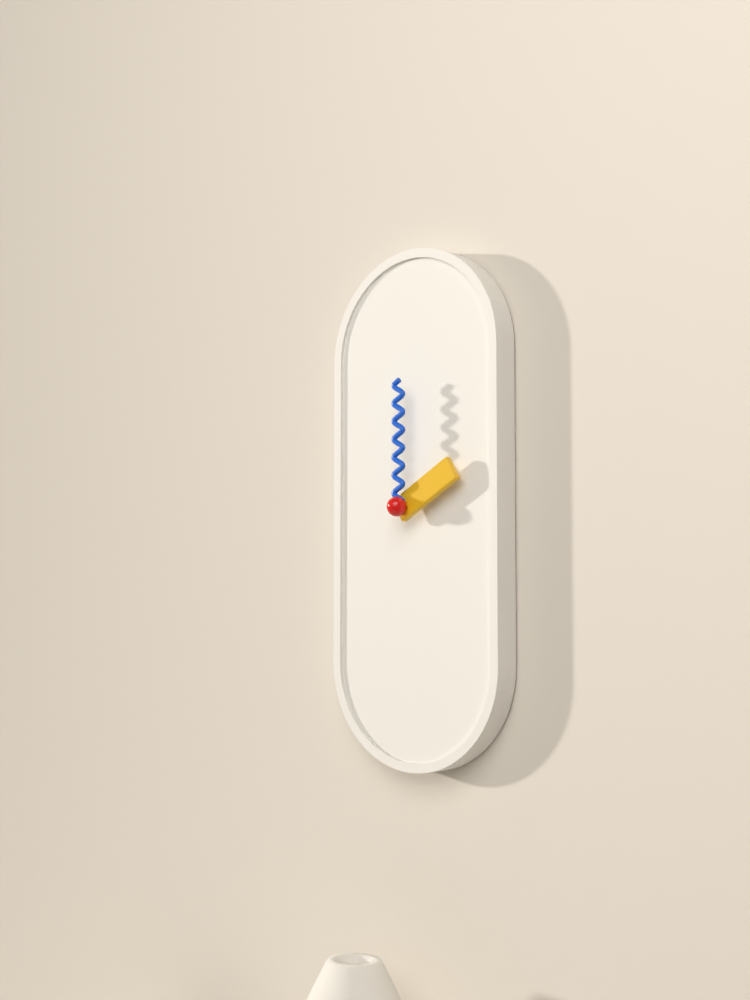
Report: 2:00
